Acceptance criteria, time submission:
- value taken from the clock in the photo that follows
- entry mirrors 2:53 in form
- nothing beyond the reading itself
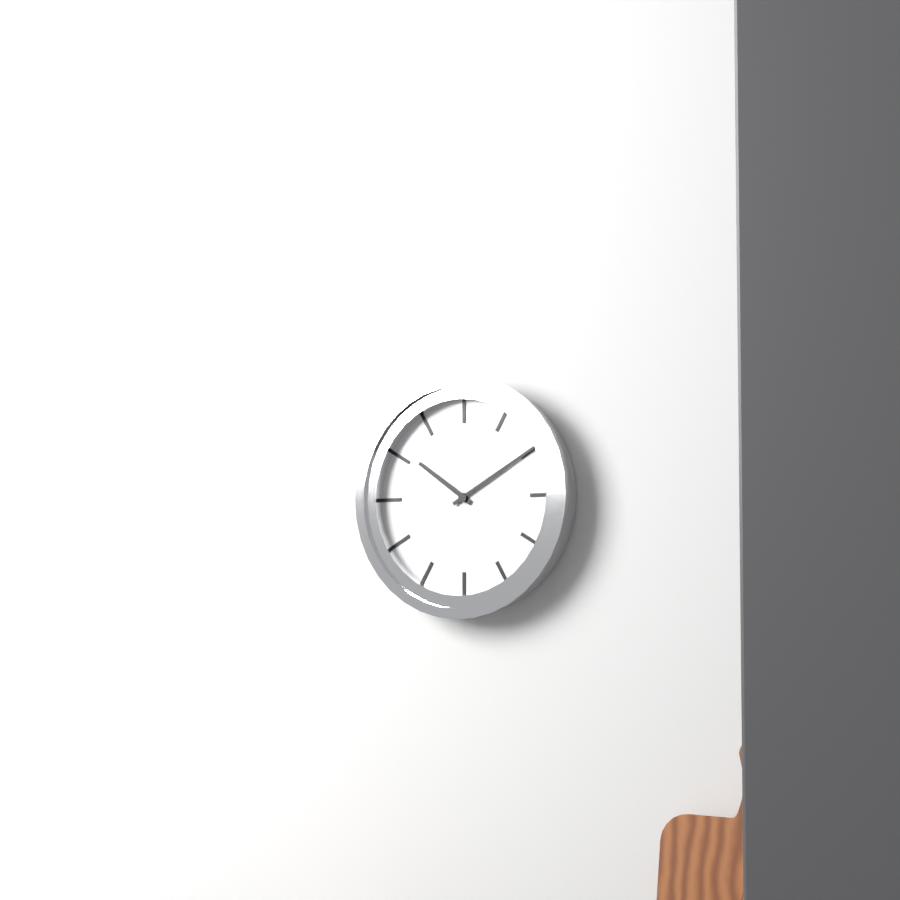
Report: 10:10
